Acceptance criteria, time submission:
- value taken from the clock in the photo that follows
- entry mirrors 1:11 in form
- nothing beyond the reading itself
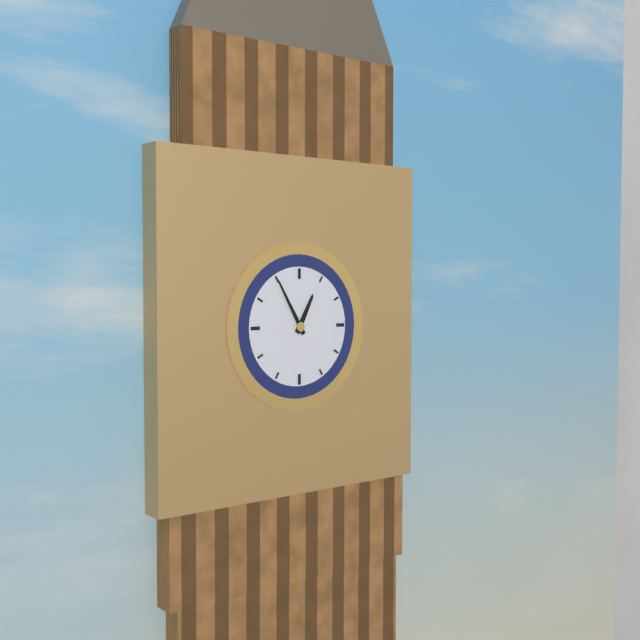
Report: 12:55
